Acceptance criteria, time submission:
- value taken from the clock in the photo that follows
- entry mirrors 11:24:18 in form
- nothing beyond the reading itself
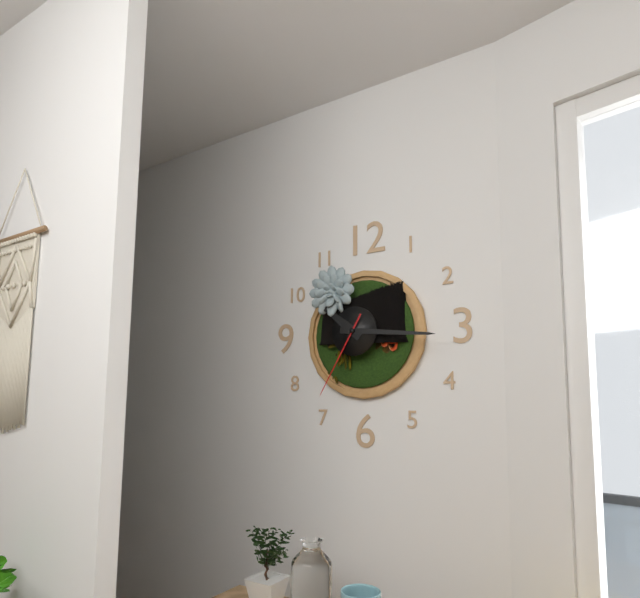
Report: 10:16:35
